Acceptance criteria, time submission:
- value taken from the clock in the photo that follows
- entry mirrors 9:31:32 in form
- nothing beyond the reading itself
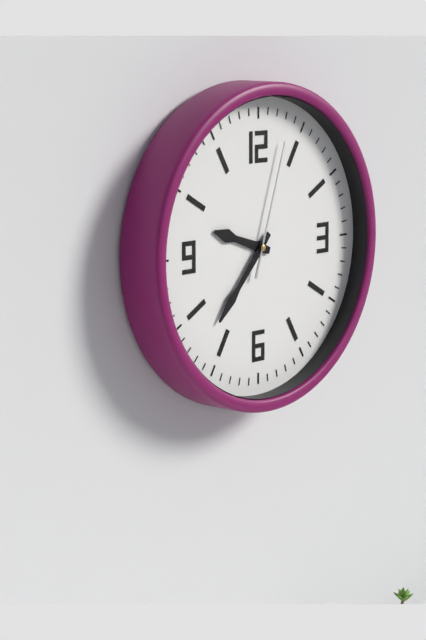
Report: 9:37:03
